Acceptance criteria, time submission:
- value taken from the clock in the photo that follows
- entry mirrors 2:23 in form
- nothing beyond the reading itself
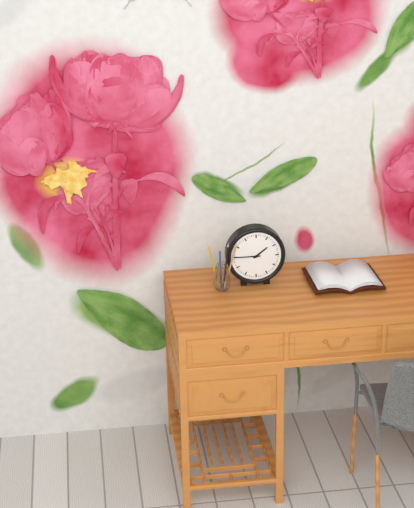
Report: 1:45
